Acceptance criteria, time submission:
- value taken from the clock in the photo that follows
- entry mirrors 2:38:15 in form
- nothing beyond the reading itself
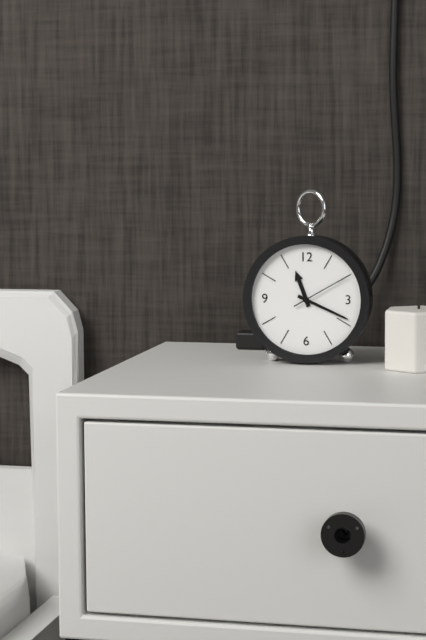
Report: 11:19:10
